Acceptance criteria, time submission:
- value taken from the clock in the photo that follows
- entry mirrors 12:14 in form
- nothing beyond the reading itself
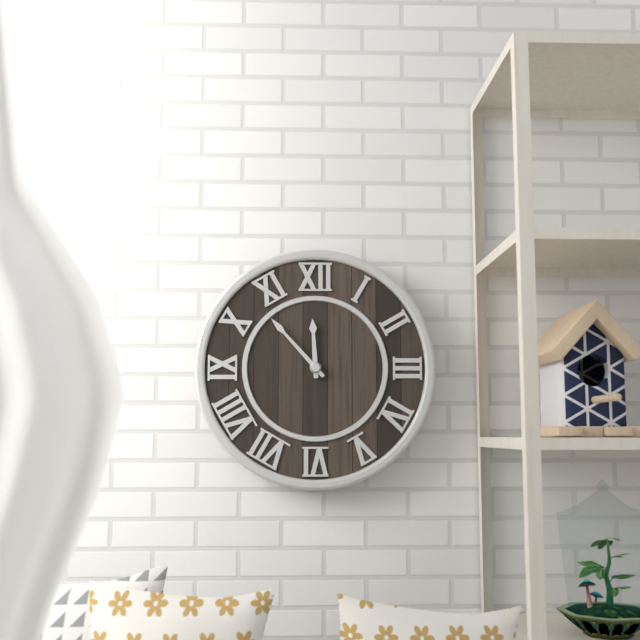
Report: 11:53
